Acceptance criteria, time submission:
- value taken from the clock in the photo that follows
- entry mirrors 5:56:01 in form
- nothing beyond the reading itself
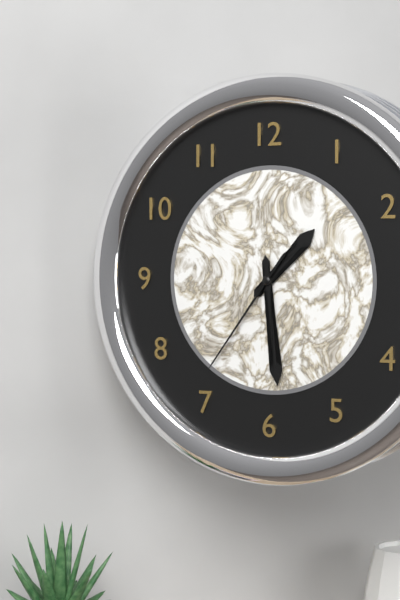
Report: 1:29:36
